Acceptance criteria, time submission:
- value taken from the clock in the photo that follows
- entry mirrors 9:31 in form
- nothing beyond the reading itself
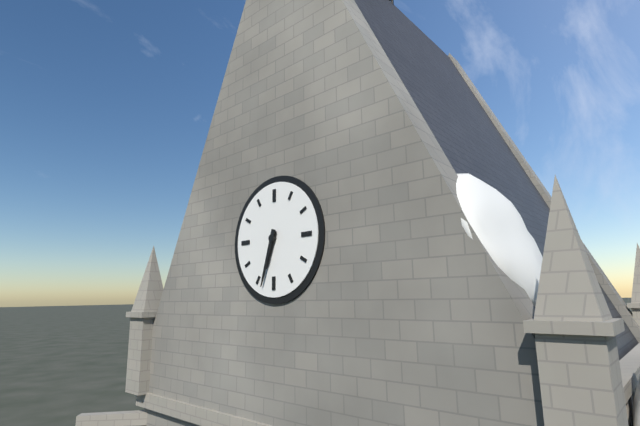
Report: 6:33
